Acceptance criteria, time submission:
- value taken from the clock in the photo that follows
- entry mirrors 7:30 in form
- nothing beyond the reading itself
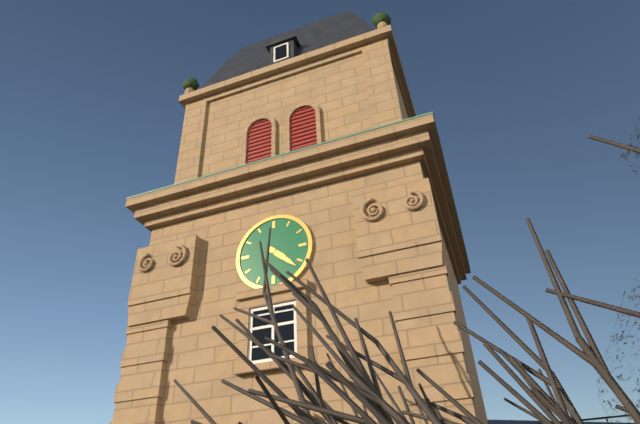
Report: 4:22
